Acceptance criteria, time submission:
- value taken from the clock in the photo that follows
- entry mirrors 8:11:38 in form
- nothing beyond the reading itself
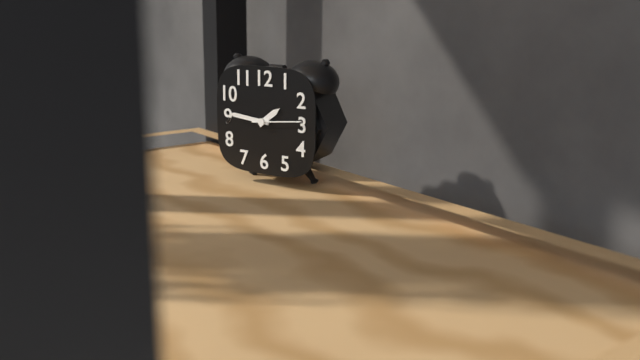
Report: 1:46:14
